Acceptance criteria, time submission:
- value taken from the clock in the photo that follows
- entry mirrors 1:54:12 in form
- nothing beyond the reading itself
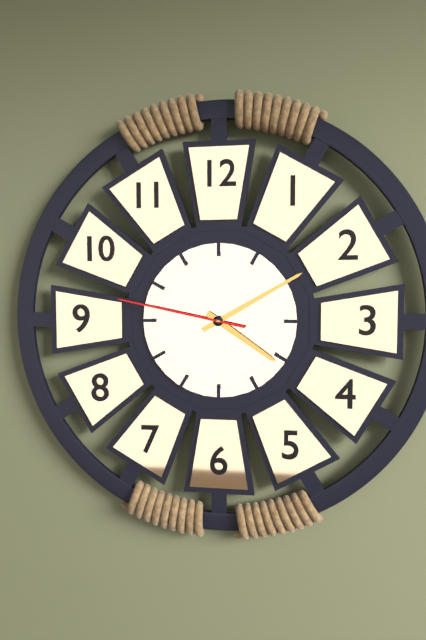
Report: 4:10:47
